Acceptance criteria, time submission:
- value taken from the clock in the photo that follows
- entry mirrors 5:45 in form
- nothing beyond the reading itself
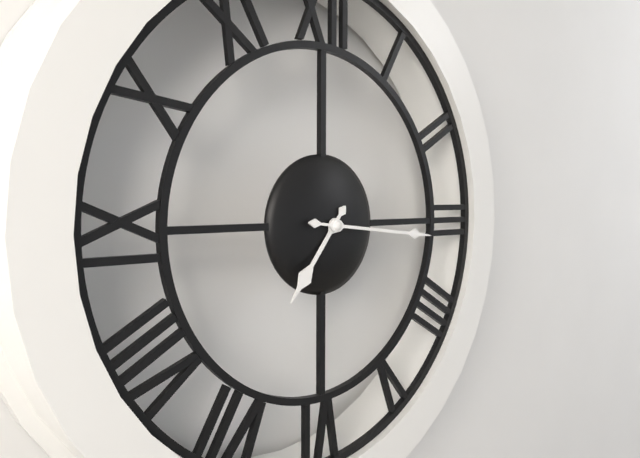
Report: 7:16
